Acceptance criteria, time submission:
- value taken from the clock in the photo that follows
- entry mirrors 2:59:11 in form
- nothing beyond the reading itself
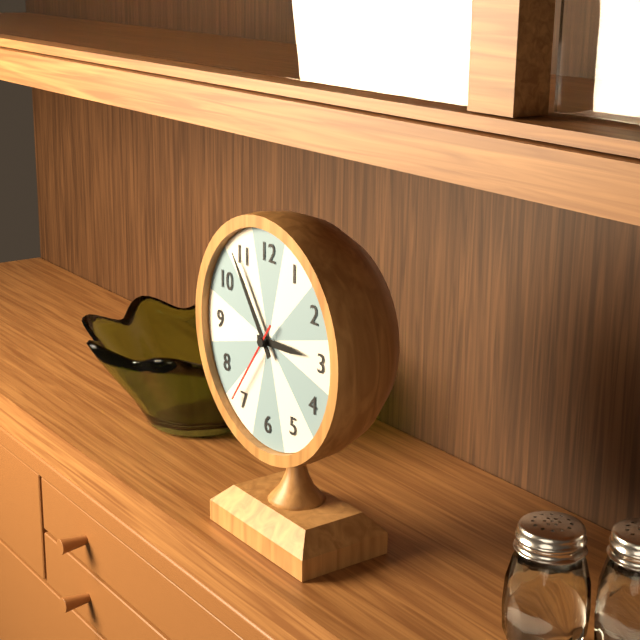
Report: 2:54:36
